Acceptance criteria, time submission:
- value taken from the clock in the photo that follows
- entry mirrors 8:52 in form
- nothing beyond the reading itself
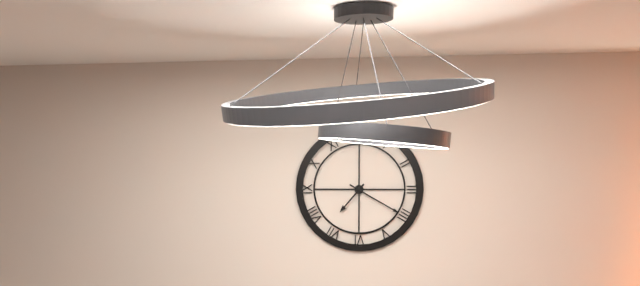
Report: 7:20
